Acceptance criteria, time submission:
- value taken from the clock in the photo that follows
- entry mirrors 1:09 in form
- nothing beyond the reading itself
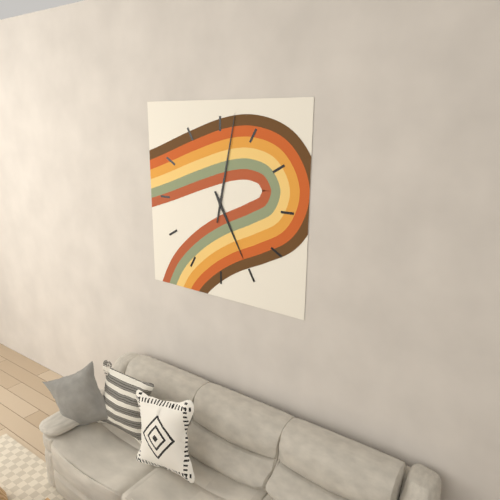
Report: 5:02
